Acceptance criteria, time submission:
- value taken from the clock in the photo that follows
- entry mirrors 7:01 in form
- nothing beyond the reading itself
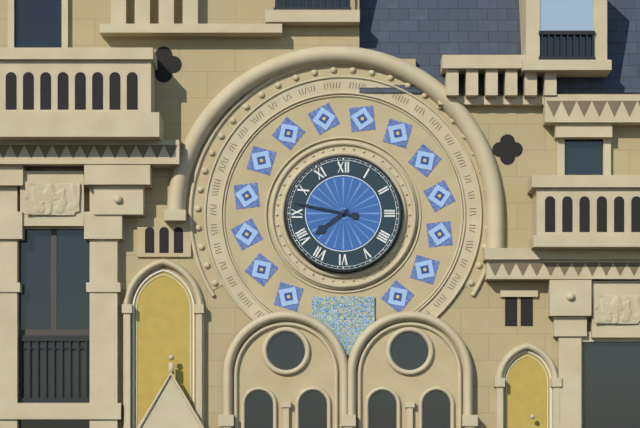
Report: 7:47
